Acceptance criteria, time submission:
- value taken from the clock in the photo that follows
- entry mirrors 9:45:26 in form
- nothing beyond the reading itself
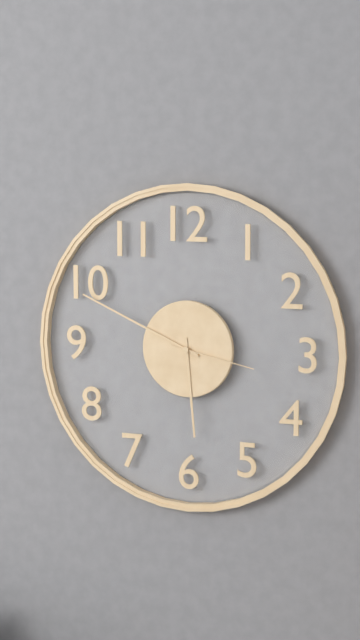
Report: 5:49:17
